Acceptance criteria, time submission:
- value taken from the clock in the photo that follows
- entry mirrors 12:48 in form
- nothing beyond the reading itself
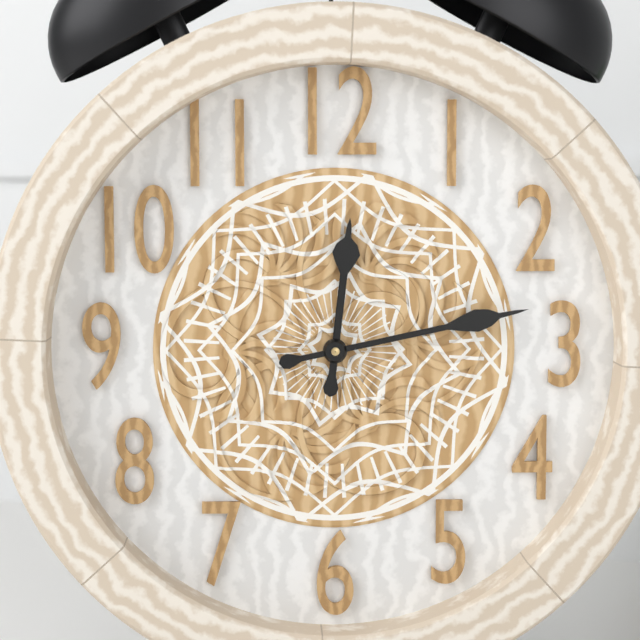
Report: 12:13
